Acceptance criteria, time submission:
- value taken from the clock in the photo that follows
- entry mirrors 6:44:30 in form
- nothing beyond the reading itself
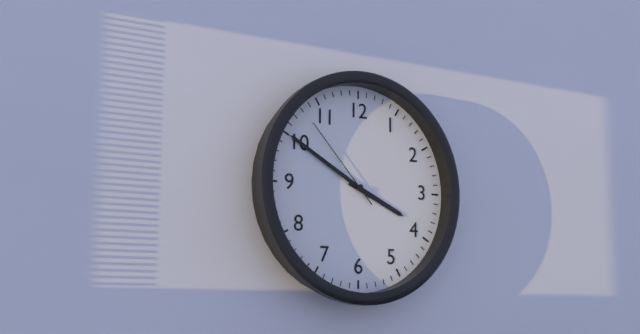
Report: 3:50:53
